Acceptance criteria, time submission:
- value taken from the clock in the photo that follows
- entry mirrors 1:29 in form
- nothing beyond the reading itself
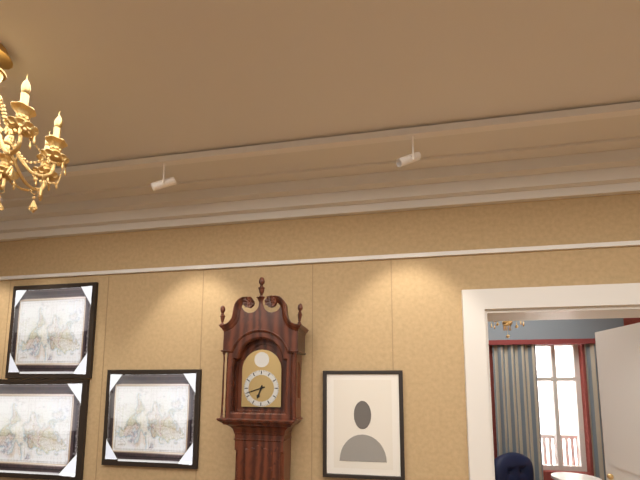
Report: 6:42
